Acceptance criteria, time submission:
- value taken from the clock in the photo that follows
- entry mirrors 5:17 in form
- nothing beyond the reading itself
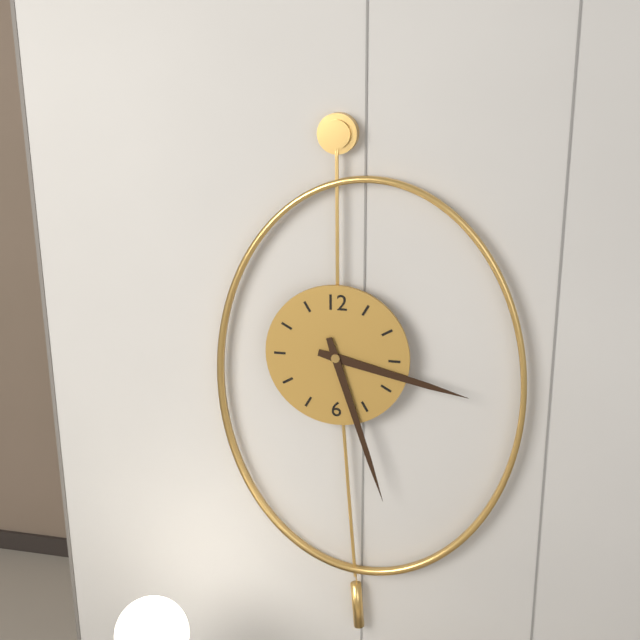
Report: 3:27
